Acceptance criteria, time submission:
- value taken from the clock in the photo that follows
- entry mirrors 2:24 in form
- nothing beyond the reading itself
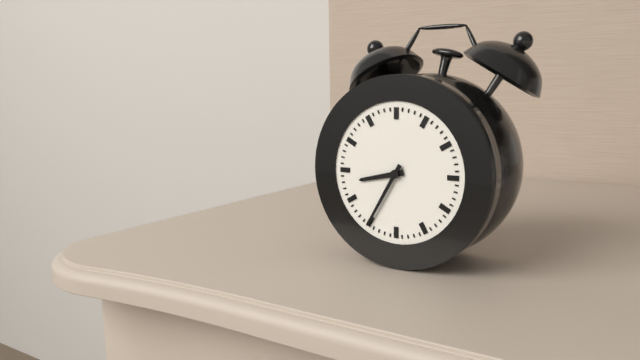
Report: 8:35
